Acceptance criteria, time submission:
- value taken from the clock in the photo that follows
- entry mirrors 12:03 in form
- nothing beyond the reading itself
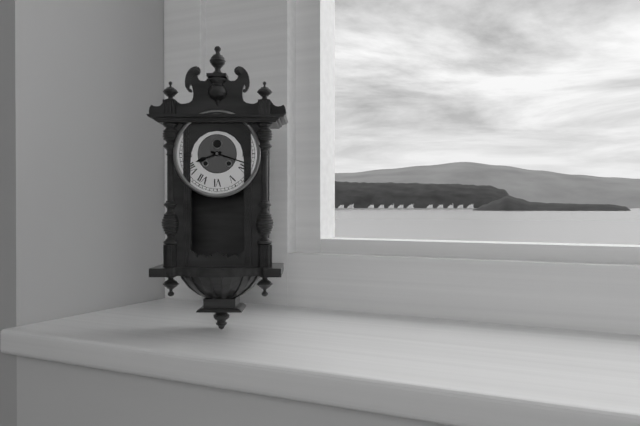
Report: 8:18
